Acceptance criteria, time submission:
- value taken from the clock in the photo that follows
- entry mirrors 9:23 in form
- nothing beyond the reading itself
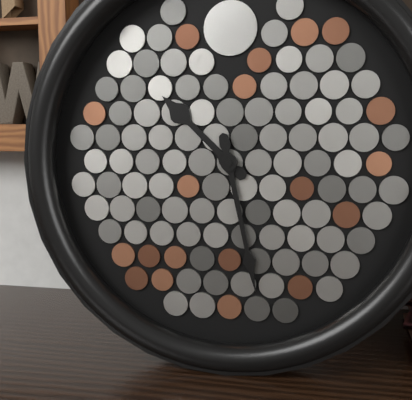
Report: 10:28
